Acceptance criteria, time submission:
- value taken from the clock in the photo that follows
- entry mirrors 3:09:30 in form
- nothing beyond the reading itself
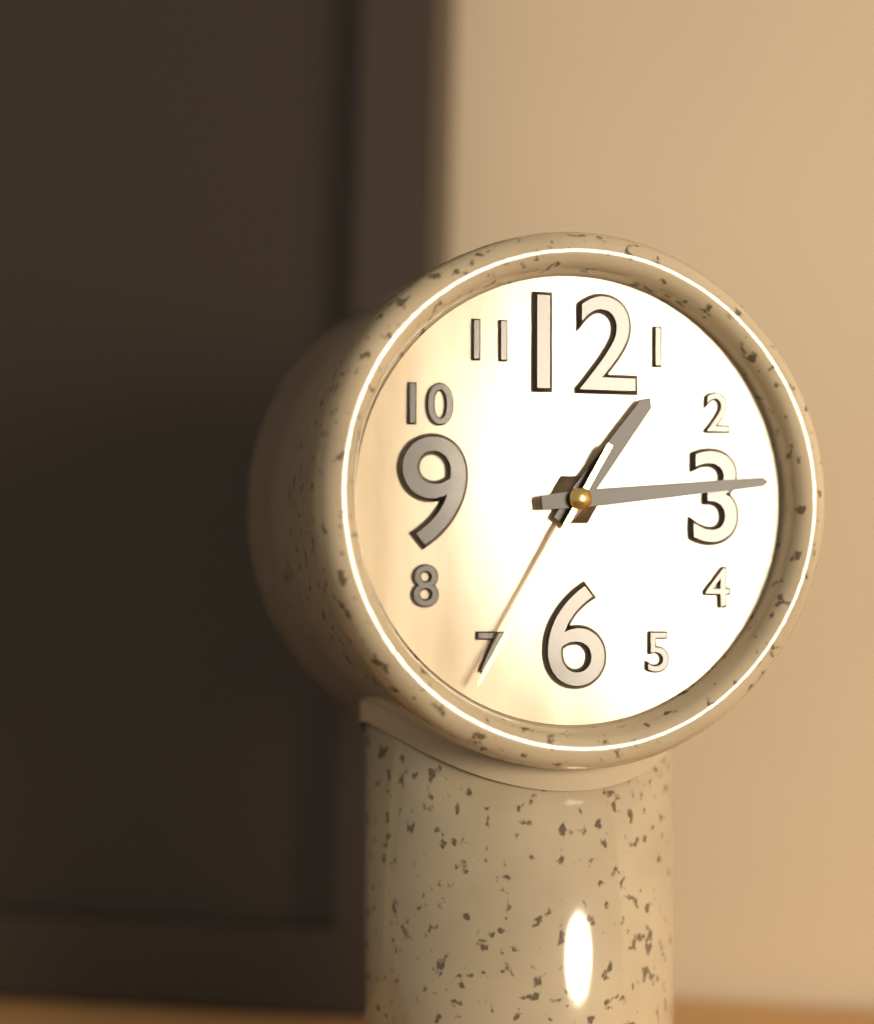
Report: 1:14:35
